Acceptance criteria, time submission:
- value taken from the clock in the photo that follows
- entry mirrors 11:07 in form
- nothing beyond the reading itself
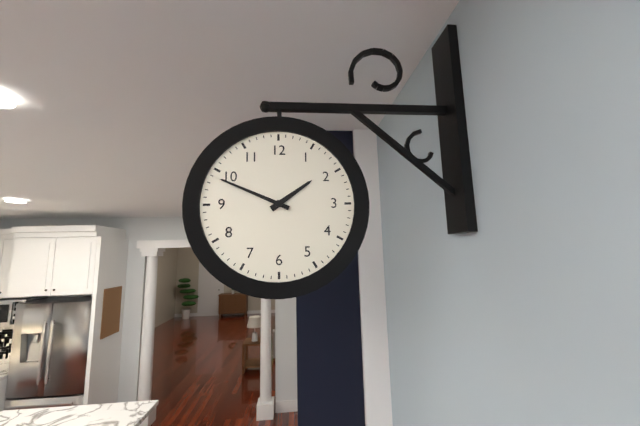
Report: 1:49
